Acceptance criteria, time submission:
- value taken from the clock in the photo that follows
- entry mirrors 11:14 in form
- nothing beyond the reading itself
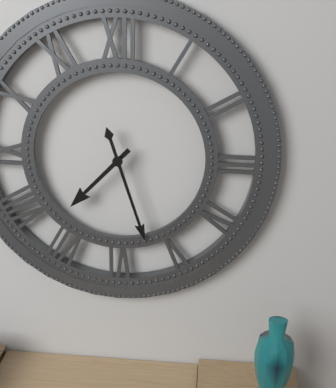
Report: 7:27
